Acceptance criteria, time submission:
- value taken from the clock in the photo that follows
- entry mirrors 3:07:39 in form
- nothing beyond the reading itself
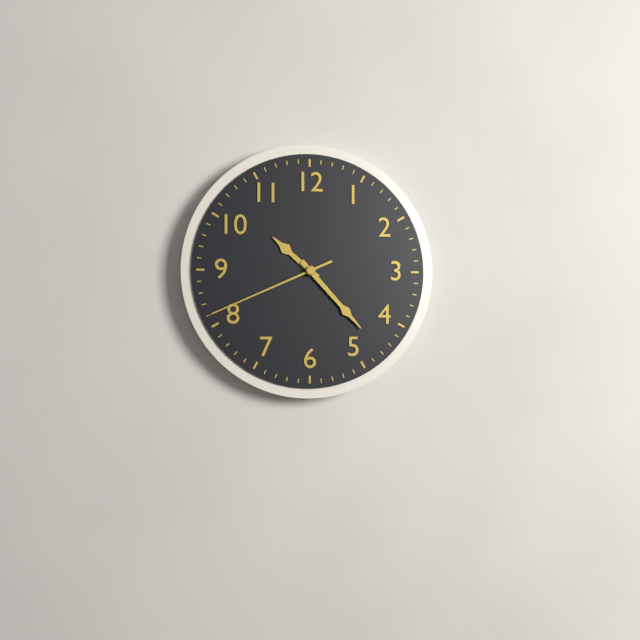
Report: 10:23:41
